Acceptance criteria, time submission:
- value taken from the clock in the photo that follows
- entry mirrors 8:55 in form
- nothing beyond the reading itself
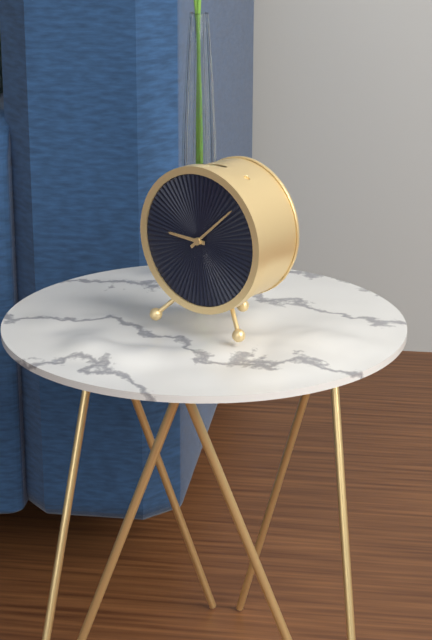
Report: 9:08
